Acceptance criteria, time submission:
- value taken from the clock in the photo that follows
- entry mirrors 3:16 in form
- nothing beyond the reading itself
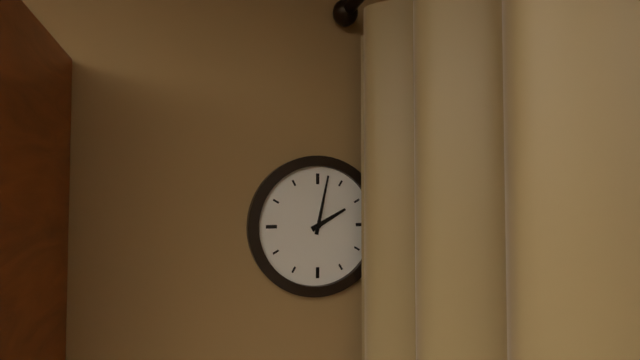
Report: 2:02
